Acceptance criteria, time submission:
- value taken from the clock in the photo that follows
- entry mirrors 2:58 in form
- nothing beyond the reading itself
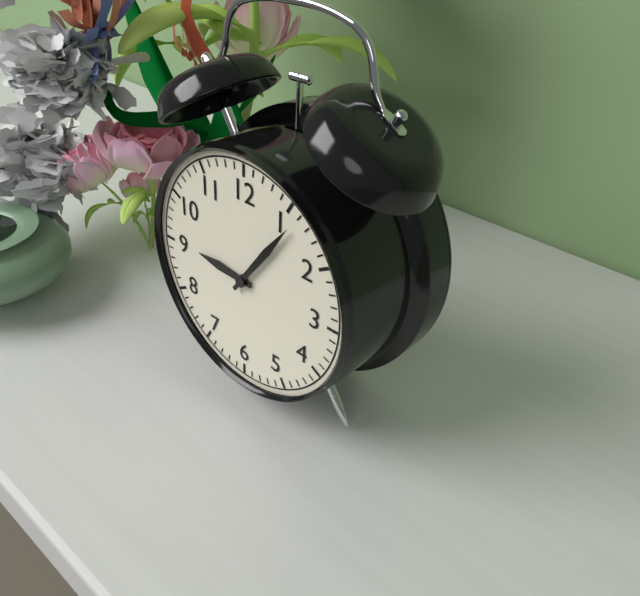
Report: 9:06
